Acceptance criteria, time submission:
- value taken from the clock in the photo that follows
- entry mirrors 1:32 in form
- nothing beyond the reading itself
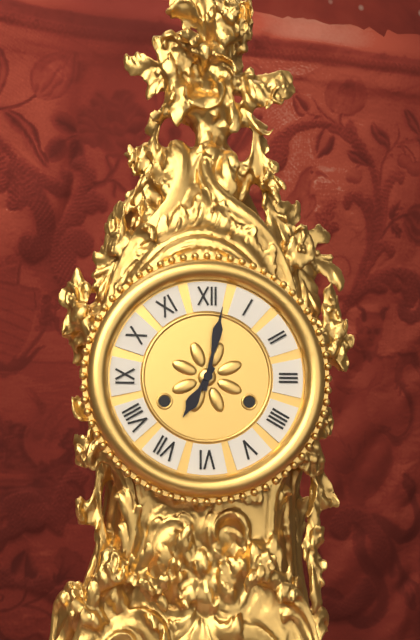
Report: 7:02
